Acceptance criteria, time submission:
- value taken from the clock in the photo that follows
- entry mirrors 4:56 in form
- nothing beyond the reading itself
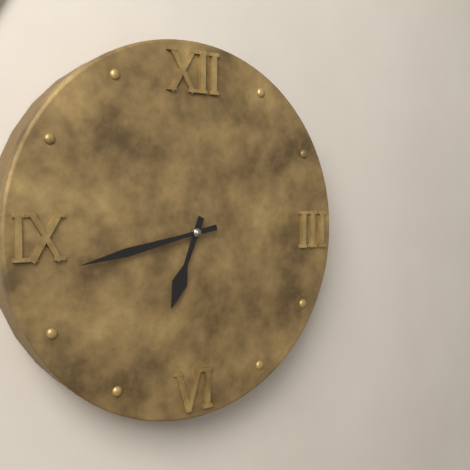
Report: 6:43
